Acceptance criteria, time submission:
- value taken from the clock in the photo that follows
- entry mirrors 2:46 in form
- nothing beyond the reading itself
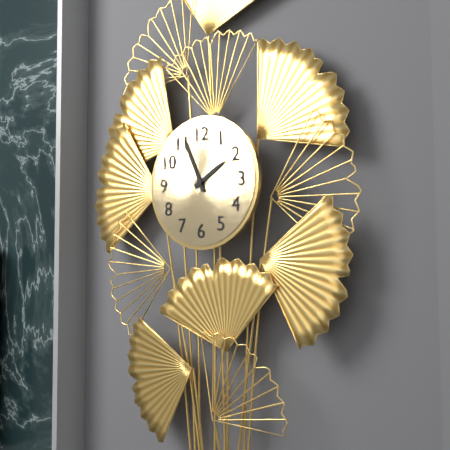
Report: 1:56
